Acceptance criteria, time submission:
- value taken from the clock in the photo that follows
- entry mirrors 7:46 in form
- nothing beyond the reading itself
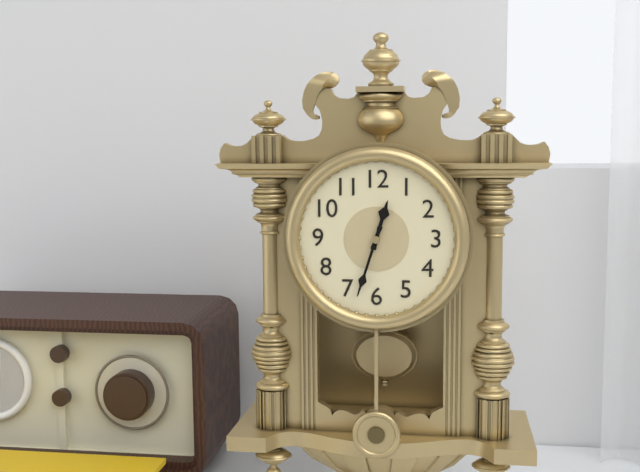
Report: 12:33
